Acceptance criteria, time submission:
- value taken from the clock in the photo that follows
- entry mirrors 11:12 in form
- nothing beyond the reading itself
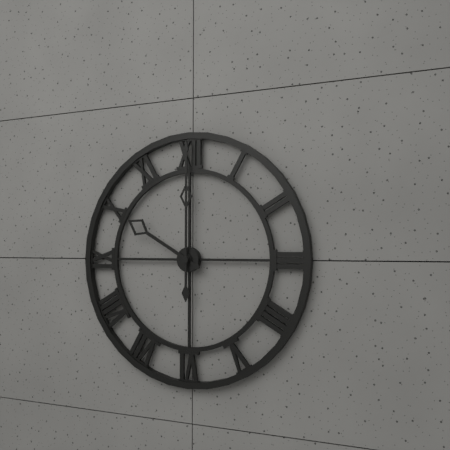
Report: 10:00
